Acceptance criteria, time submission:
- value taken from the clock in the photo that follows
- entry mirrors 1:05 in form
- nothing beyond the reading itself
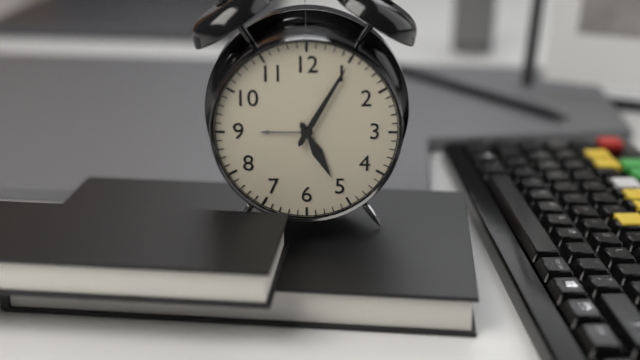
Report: 5:05
